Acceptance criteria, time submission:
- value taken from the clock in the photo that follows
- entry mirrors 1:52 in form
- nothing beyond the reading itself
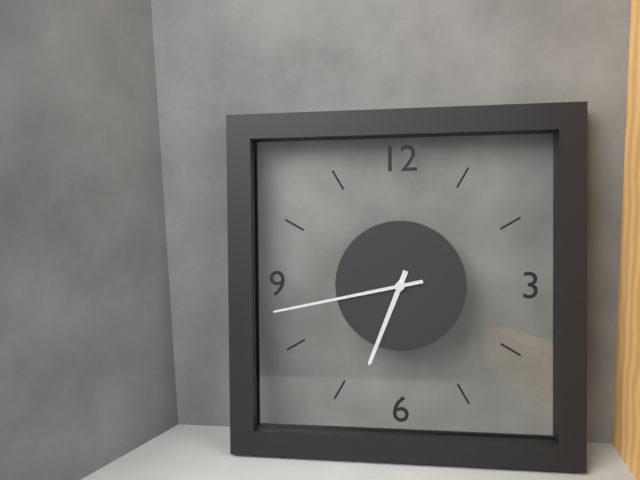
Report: 6:43
